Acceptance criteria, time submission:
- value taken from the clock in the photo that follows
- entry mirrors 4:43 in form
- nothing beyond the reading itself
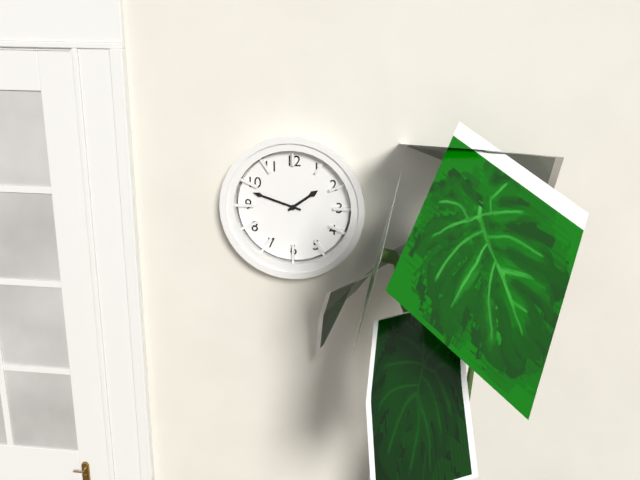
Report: 1:48
